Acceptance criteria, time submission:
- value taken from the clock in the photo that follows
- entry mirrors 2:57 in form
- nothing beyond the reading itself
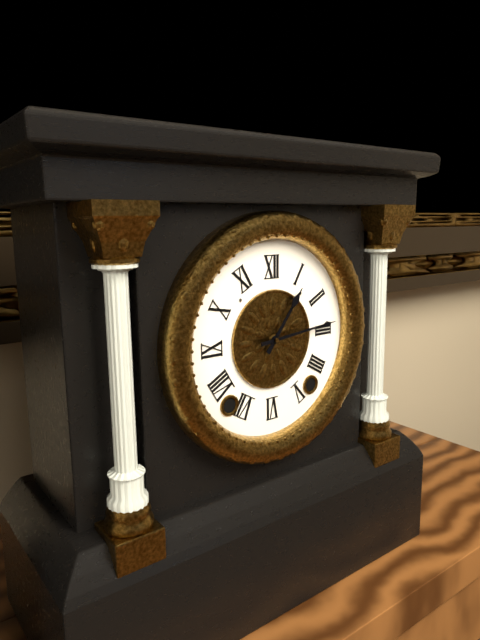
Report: 1:14
